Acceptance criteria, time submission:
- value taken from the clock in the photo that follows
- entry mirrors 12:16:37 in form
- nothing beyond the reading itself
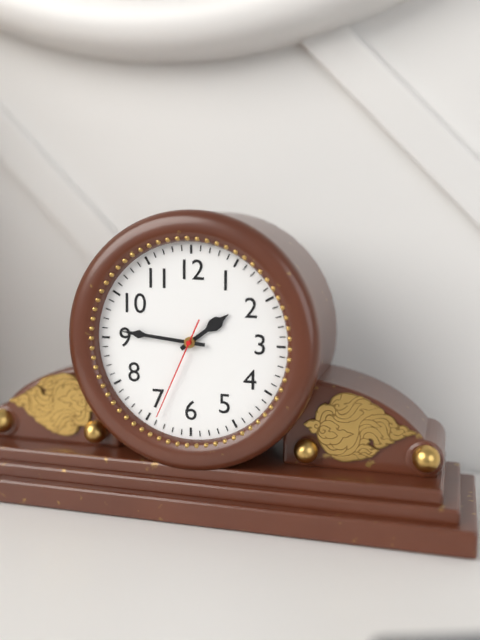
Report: 1:46:34
